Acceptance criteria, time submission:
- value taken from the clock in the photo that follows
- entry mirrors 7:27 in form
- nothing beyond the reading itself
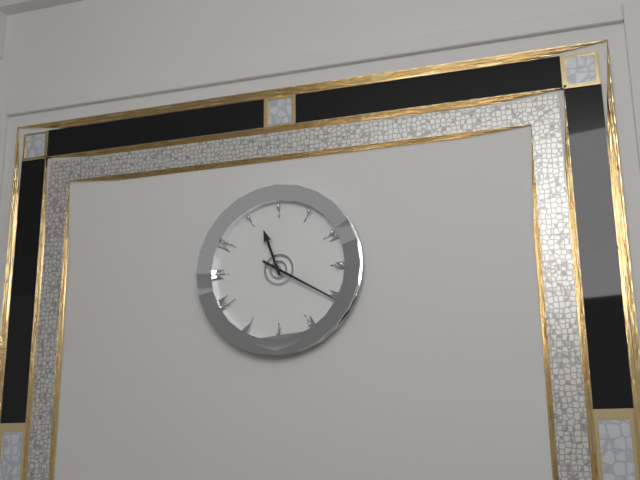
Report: 11:20
